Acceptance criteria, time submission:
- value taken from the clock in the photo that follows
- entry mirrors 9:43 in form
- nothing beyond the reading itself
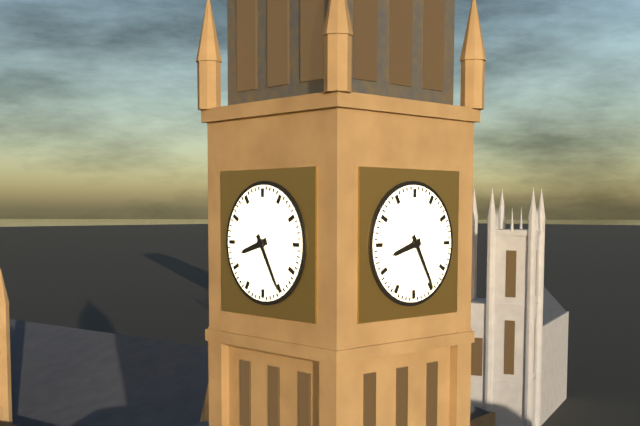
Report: 8:25
